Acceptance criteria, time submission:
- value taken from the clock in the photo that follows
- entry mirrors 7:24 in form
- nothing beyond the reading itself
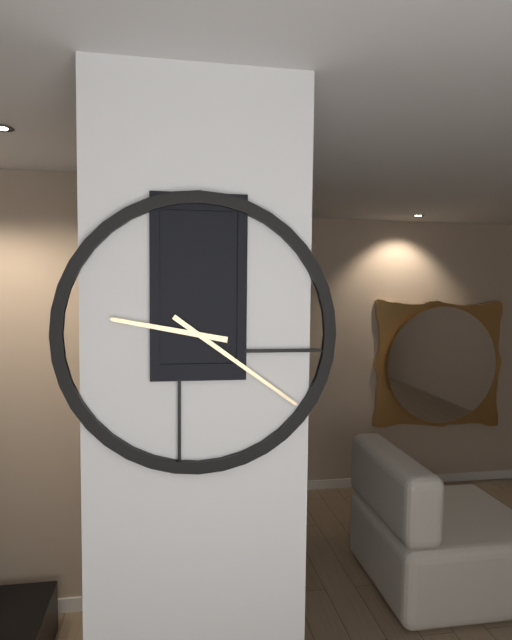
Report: 9:21
